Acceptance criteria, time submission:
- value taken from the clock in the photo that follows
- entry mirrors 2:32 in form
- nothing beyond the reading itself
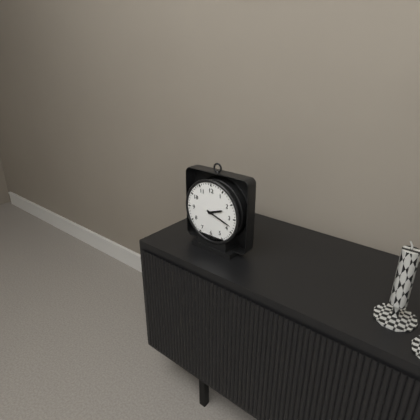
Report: 2:18
